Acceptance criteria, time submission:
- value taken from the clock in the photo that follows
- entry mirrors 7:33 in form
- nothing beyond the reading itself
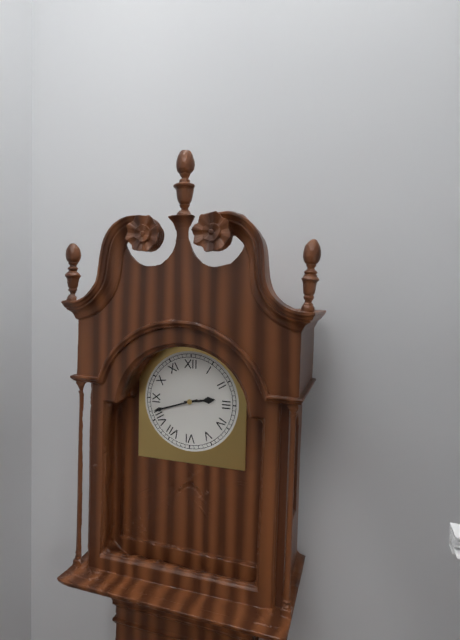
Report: 2:42
